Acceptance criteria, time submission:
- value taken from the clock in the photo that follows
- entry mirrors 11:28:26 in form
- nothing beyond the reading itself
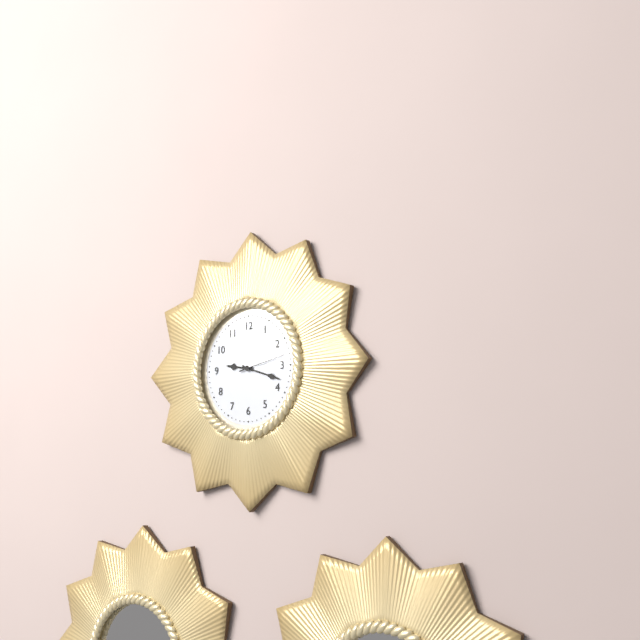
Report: 9:18:13
